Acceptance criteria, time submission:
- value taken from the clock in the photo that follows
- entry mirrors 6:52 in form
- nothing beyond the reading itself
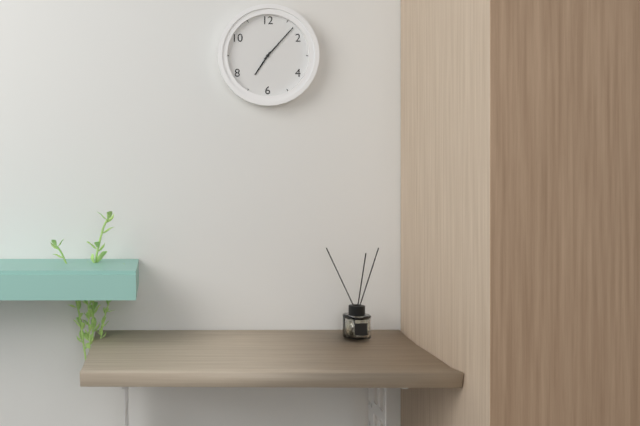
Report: 7:07
